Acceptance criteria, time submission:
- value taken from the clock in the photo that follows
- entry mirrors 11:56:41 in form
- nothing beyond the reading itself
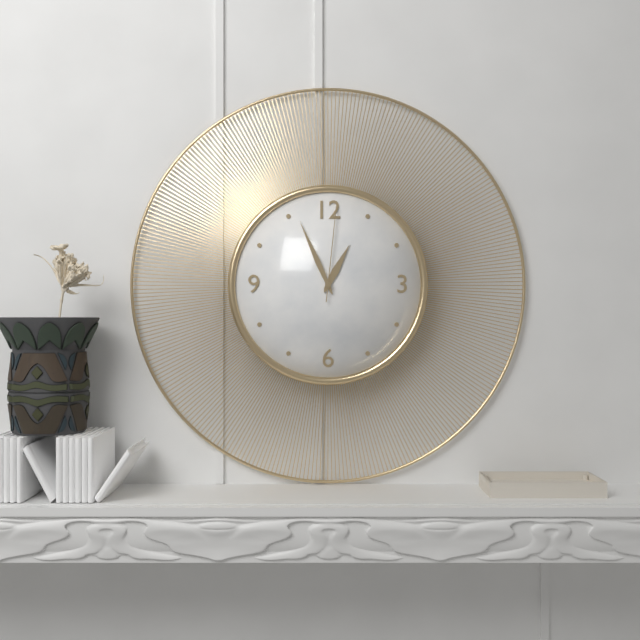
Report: 12:56:01
